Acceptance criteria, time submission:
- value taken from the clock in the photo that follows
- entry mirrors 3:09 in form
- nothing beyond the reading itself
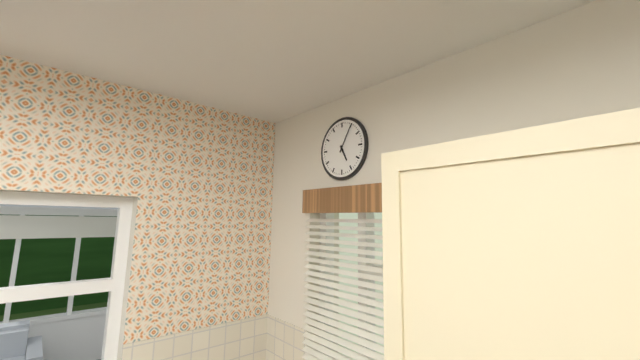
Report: 5:05
